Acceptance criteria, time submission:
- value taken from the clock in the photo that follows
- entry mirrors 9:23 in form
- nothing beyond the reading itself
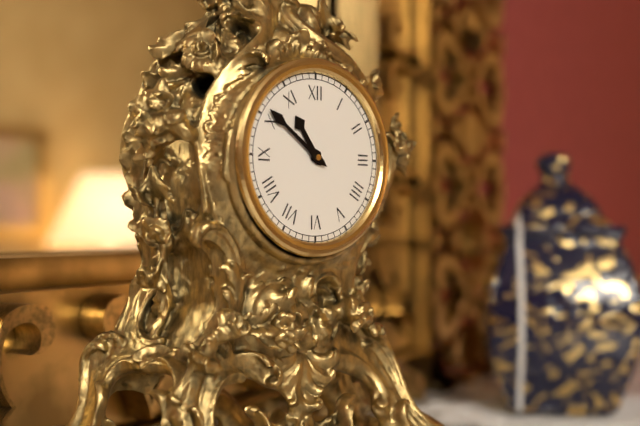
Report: 10:51
